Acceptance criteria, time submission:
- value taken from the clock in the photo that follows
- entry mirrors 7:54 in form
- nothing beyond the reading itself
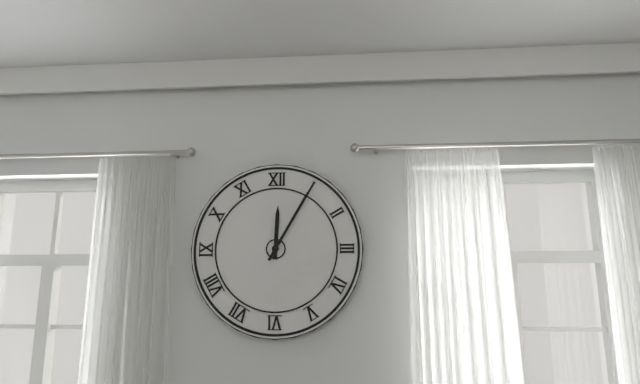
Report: 12:05
